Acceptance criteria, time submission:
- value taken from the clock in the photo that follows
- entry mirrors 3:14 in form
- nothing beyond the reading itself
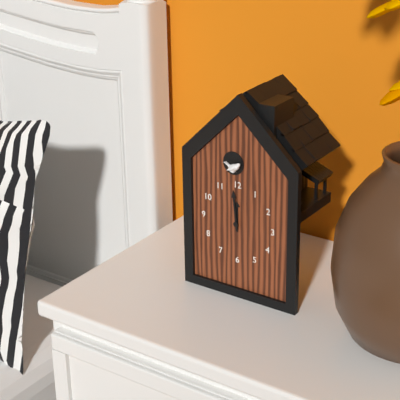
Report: 11:59
